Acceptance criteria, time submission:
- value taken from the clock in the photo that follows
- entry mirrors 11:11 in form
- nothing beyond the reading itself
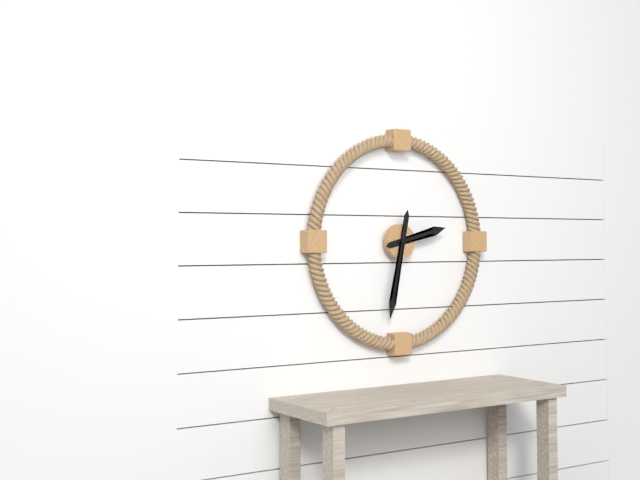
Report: 2:32
